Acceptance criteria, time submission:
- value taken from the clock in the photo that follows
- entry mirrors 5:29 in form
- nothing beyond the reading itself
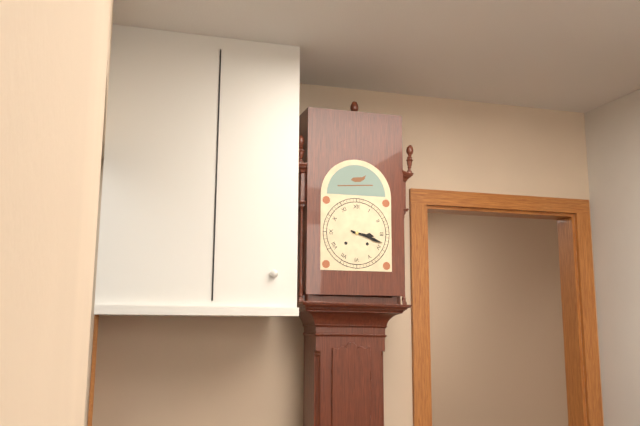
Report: 3:18
